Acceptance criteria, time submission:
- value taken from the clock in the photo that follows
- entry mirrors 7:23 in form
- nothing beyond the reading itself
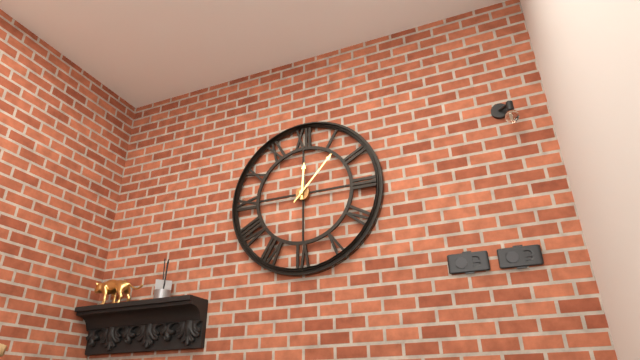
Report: 12:07
